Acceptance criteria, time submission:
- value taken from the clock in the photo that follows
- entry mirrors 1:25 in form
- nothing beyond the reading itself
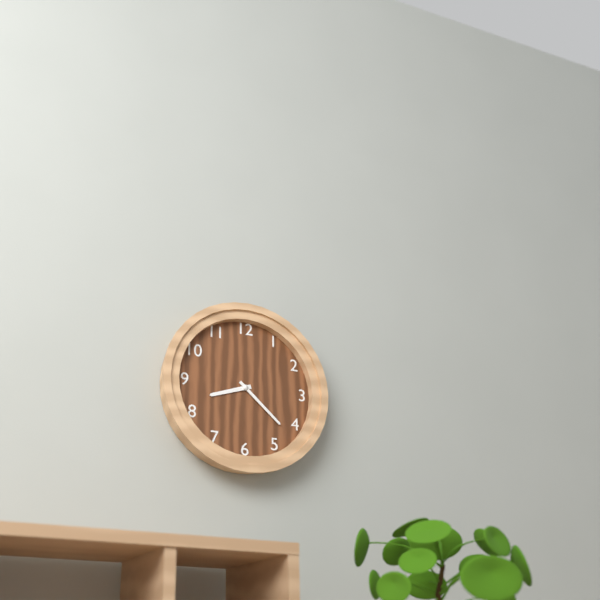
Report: 8:22
